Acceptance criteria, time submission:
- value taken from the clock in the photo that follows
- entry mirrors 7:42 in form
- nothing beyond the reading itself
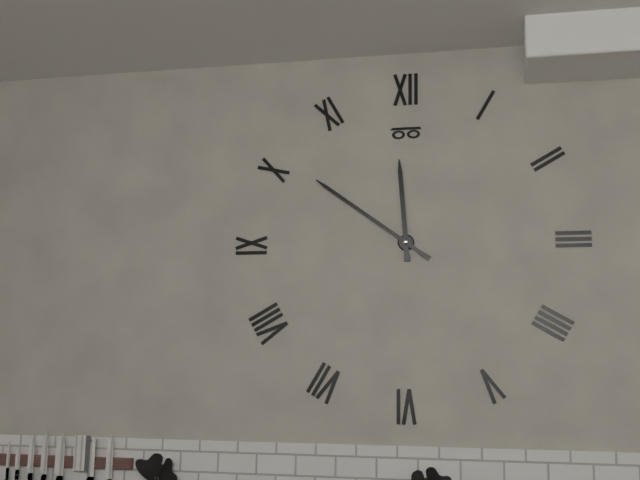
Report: 11:51
